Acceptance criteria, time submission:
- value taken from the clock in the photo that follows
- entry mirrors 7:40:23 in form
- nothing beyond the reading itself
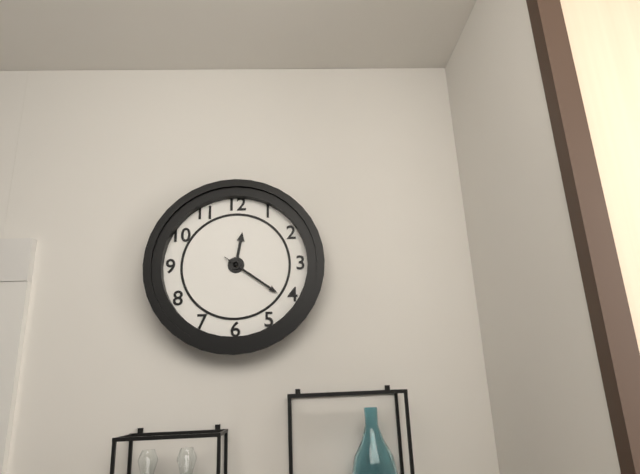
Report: 12:21:21
